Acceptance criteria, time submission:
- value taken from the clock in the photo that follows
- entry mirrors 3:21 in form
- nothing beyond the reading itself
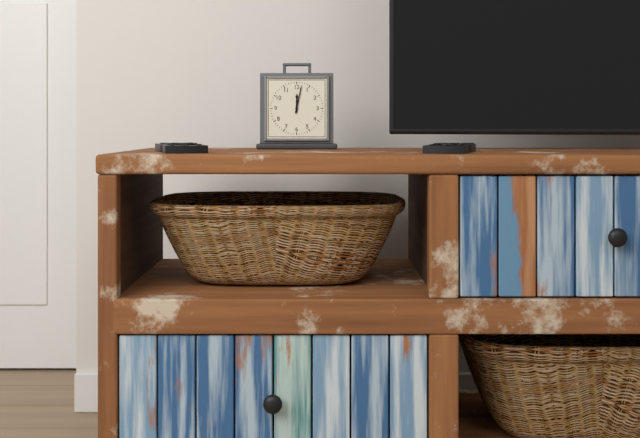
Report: 12:02
